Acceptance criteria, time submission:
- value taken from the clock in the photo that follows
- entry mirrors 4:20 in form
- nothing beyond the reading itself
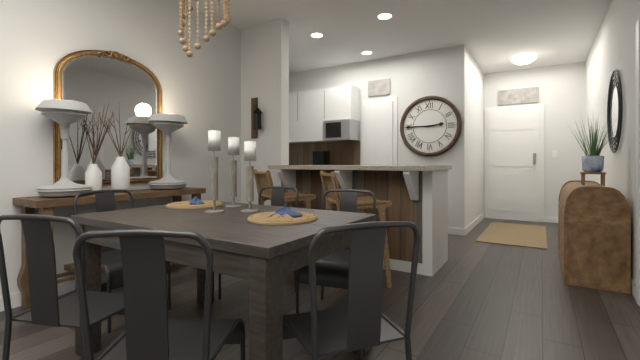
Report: 2:45
